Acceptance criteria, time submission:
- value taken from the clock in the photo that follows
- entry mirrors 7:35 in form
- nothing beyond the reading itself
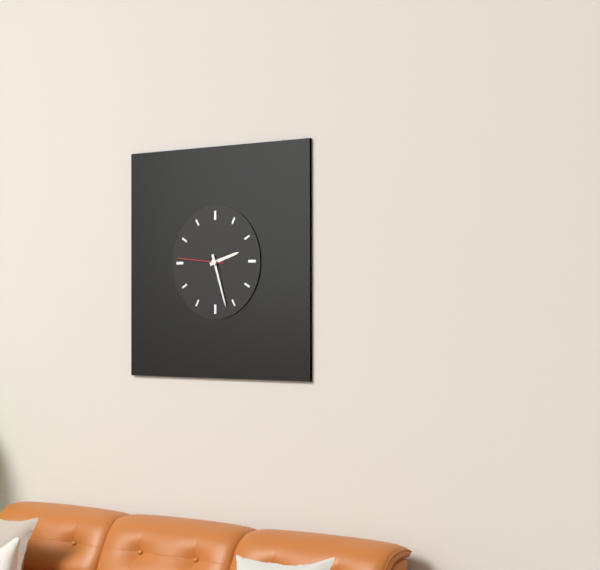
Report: 2:27
